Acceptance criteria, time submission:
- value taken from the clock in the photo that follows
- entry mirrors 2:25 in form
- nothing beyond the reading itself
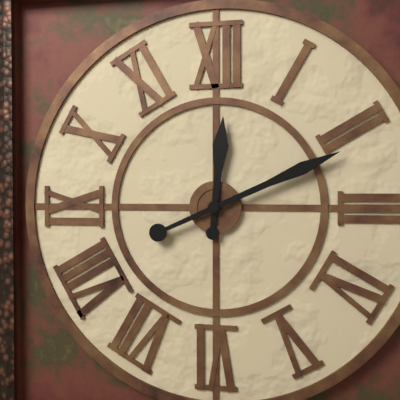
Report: 12:11
